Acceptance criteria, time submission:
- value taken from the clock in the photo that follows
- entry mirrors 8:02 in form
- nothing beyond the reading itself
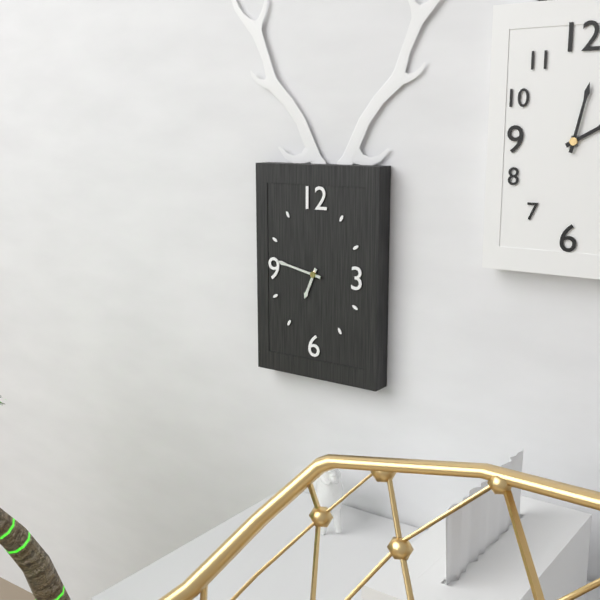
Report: 6:47
